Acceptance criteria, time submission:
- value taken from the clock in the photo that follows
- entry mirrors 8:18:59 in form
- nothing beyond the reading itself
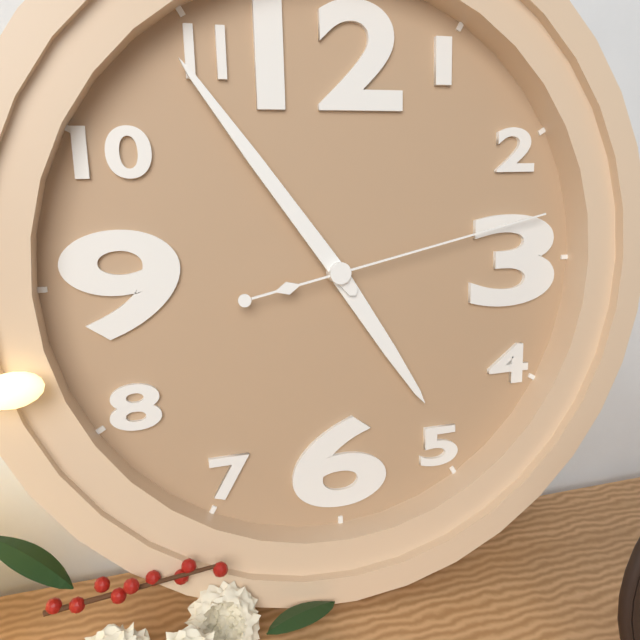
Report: 4:54:13
